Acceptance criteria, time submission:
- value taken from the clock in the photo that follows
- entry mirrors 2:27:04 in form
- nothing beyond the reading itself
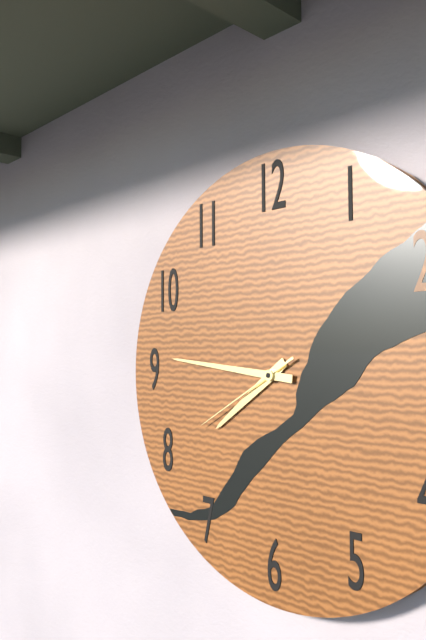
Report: 7:46:40
